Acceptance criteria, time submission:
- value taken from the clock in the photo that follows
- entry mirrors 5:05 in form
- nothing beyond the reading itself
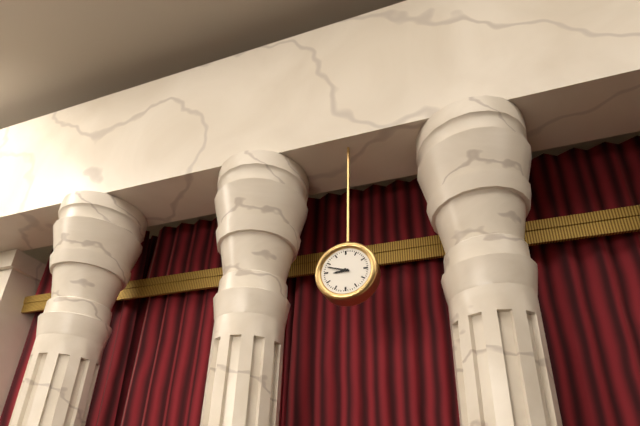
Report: 8:48
